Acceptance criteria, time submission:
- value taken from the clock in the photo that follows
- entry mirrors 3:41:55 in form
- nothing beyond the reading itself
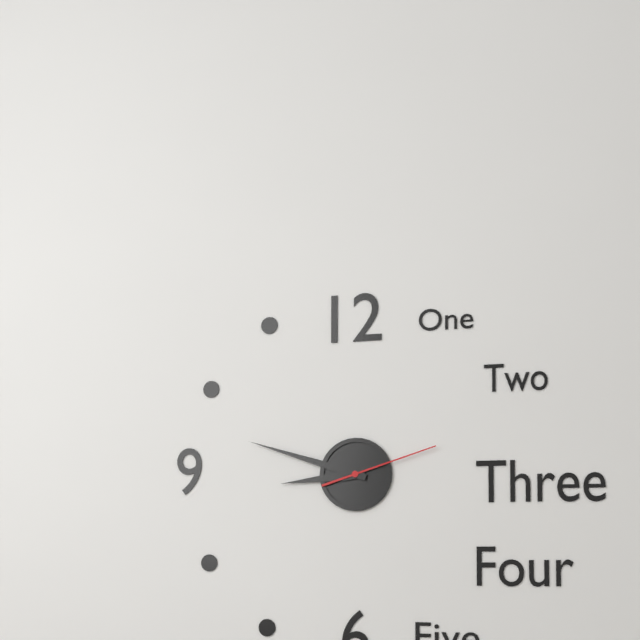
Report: 8:48:12
